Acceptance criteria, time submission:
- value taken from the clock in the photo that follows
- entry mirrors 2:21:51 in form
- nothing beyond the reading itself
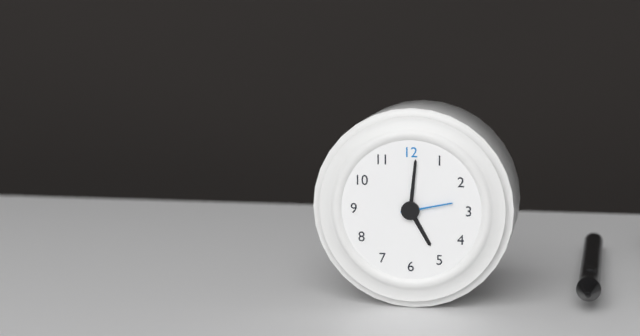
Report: 5:01:13
